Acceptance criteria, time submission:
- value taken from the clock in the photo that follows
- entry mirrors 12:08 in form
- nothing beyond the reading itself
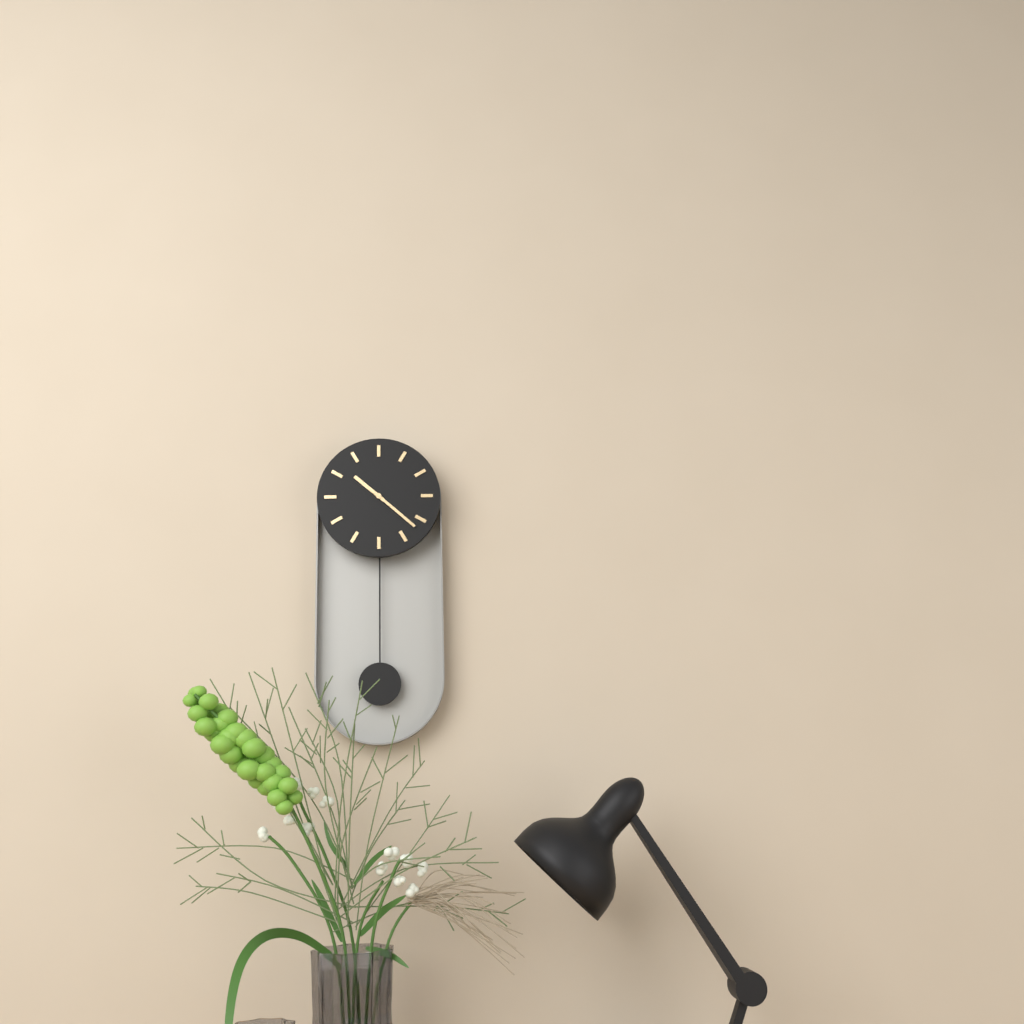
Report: 10:22
